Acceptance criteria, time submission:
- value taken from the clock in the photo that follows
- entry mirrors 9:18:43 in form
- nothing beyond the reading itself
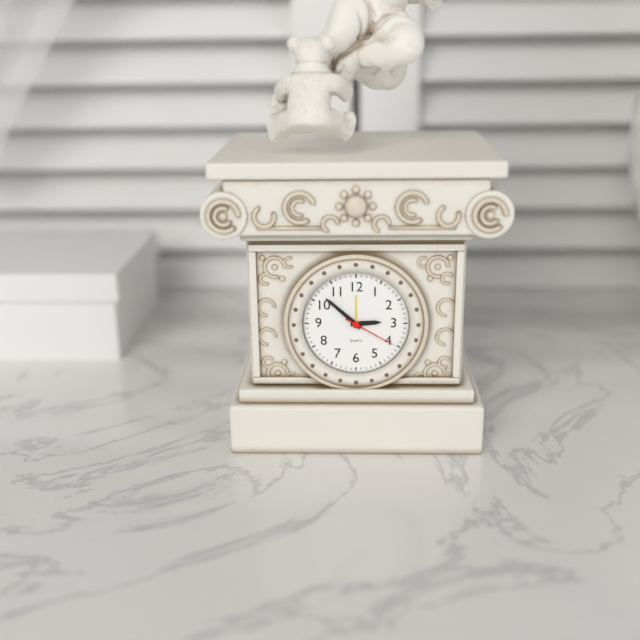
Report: 2:52:20
